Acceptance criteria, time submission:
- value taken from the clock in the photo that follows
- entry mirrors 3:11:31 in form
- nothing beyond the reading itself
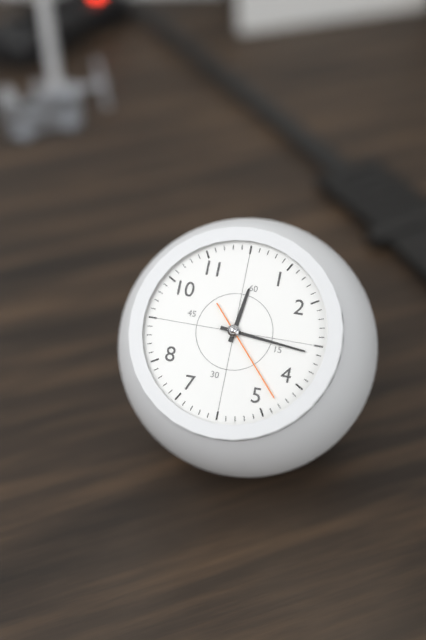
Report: 12:16:23
